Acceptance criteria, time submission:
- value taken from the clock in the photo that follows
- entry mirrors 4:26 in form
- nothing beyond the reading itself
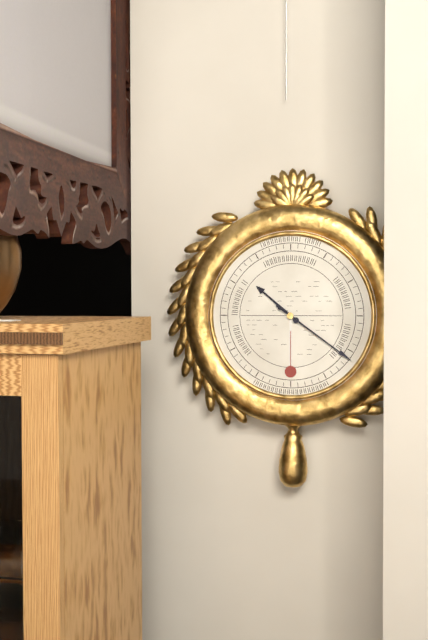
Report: 10:21
